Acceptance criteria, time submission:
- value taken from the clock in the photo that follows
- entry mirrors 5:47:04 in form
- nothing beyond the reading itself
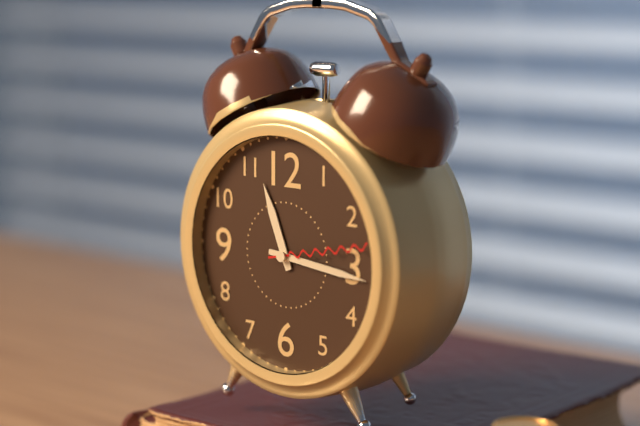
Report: 11:16:13
